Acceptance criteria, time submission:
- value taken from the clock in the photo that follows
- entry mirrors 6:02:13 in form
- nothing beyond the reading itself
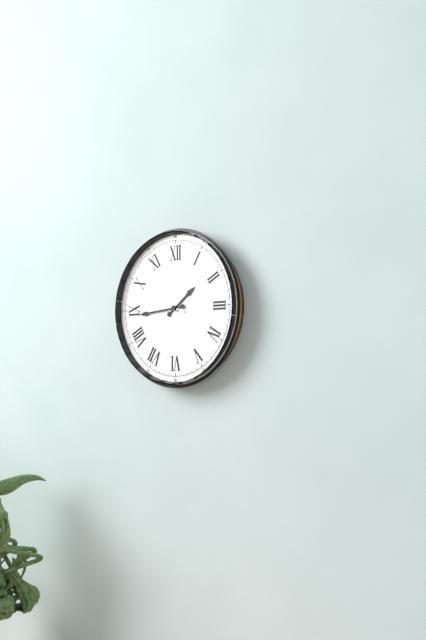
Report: 1:44:48
